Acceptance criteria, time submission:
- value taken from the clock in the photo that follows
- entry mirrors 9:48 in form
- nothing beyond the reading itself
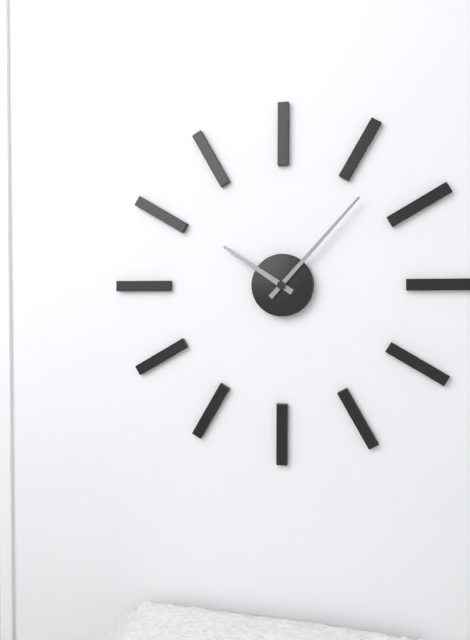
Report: 10:07
